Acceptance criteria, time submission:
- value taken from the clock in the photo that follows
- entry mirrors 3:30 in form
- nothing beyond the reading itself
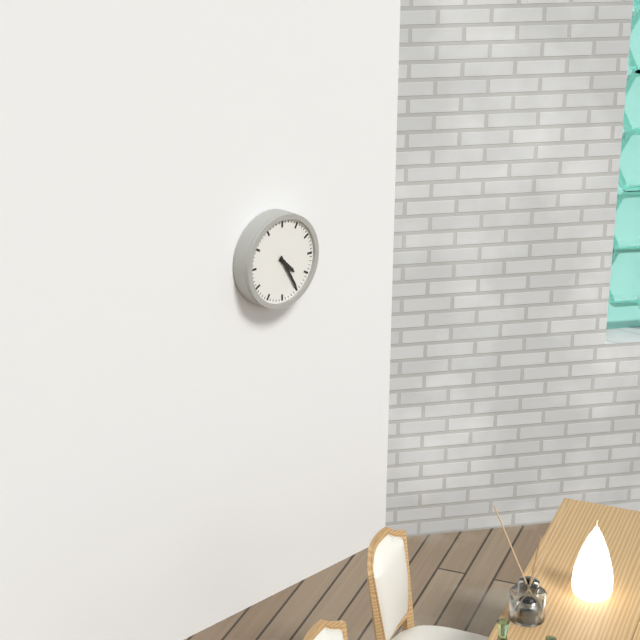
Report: 4:25
